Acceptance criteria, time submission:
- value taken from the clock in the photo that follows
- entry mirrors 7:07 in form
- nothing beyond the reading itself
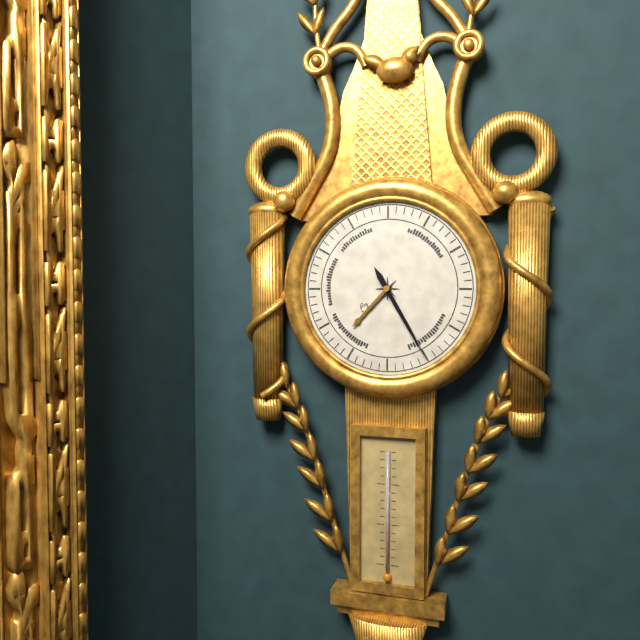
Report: 7:25
